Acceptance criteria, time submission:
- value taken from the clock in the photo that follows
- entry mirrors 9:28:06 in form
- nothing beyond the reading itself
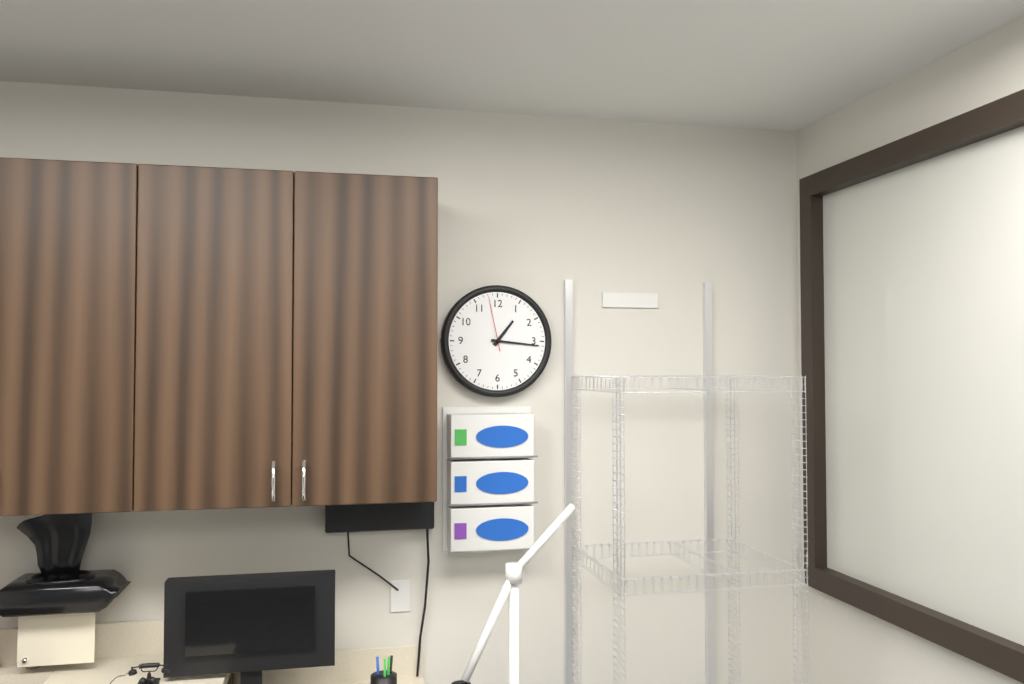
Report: 1:16:58
